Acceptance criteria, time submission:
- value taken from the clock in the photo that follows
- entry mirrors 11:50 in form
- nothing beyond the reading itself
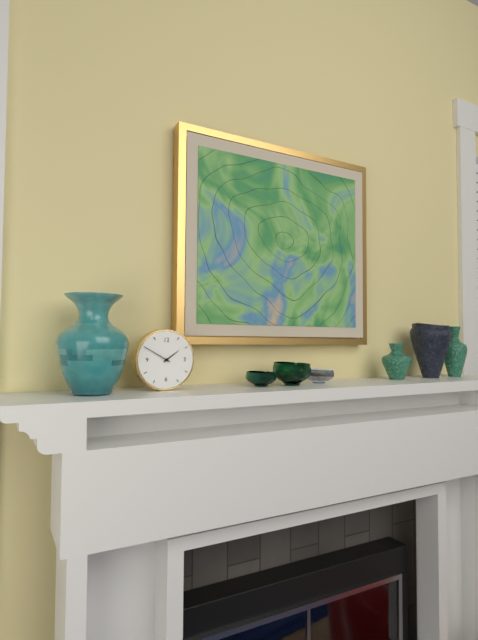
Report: 1:50
